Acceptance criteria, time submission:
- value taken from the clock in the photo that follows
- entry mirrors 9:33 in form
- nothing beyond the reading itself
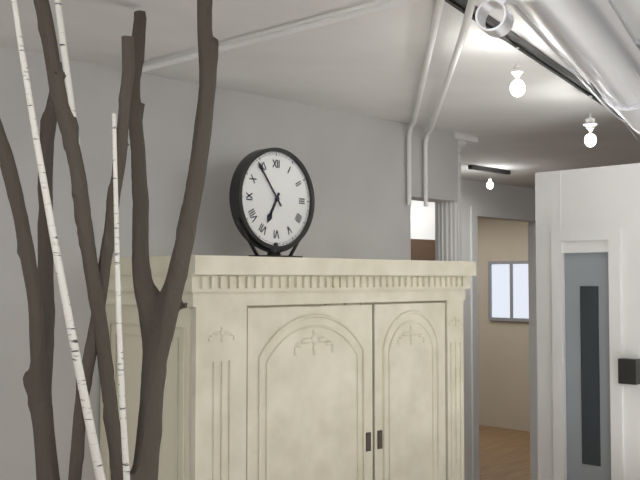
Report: 6:54
